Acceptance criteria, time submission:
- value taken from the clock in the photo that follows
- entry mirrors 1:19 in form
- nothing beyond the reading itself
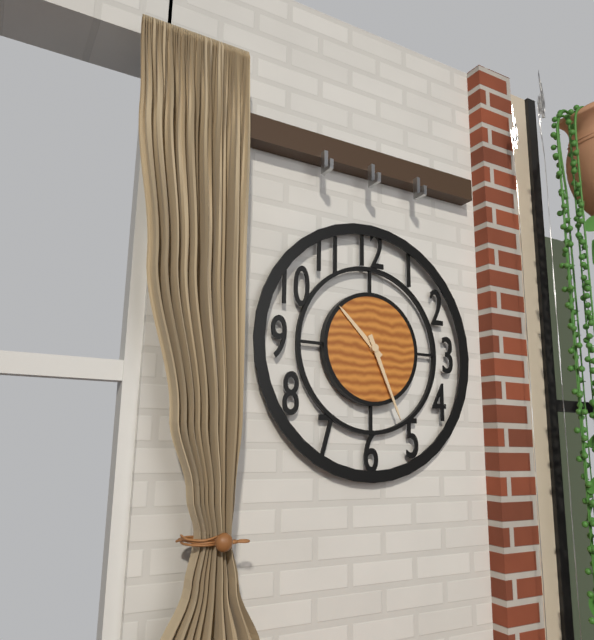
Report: 10:26
